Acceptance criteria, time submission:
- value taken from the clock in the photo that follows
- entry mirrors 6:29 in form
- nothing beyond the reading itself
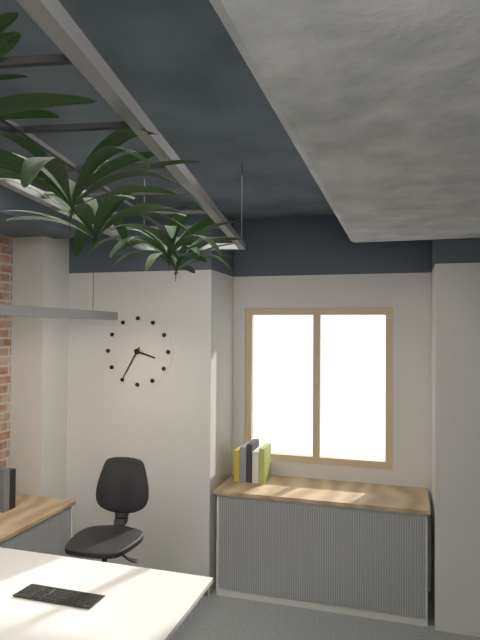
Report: 3:35
